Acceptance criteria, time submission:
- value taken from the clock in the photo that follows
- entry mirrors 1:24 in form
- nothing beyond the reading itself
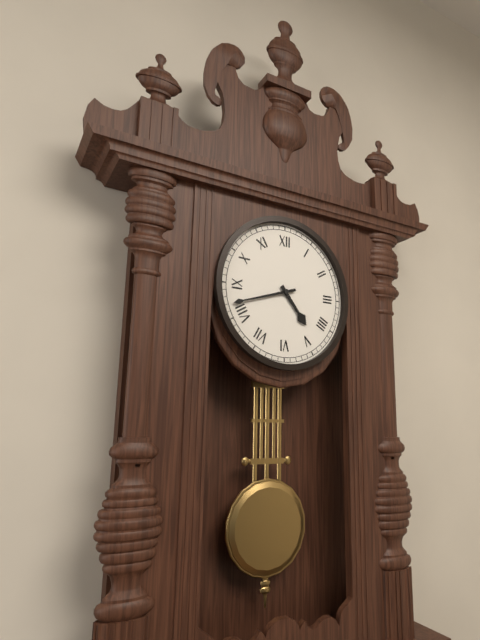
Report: 4:42
